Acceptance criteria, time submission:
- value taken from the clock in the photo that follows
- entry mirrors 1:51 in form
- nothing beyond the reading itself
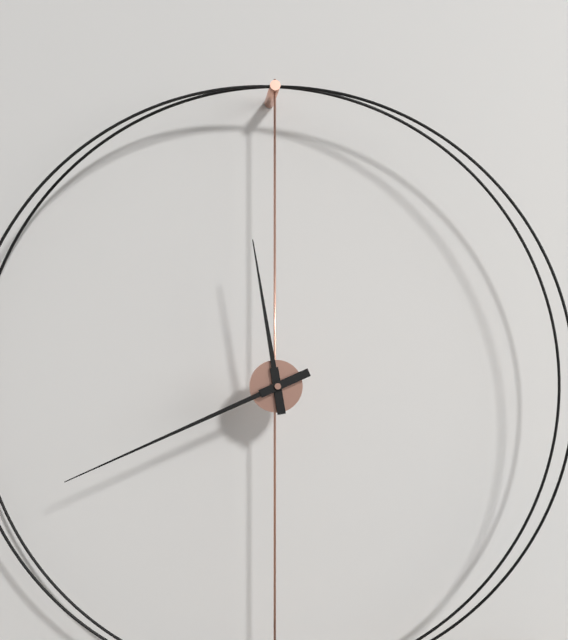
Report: 11:41
